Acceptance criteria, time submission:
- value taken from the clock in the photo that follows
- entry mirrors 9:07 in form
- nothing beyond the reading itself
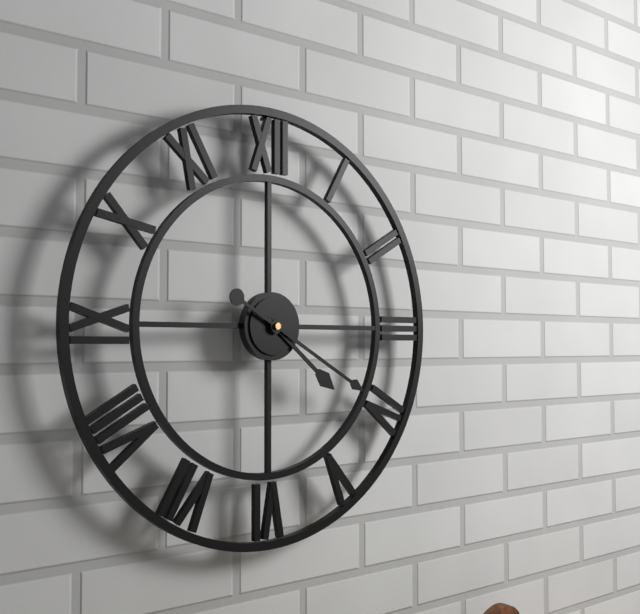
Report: 4:20
